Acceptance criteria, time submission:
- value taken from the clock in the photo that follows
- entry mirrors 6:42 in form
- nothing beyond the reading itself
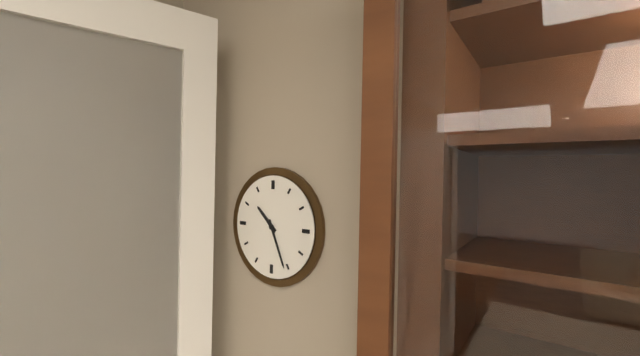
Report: 10:26
